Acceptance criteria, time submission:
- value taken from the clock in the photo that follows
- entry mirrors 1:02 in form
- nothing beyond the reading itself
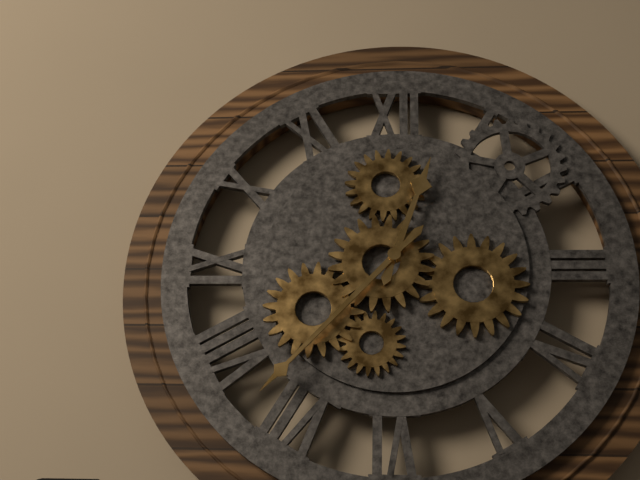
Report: 12:37
